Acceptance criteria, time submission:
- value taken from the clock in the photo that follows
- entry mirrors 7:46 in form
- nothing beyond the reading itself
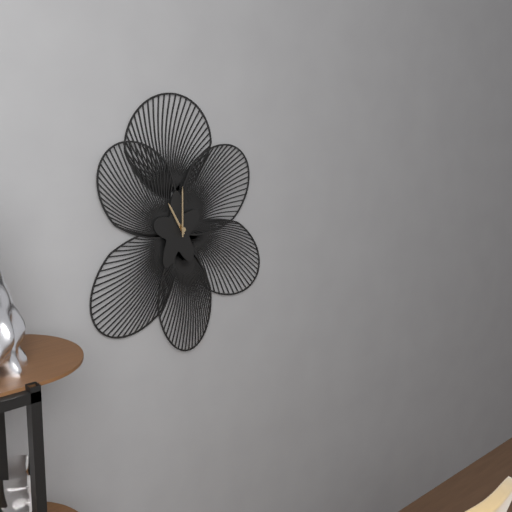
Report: 11:00
